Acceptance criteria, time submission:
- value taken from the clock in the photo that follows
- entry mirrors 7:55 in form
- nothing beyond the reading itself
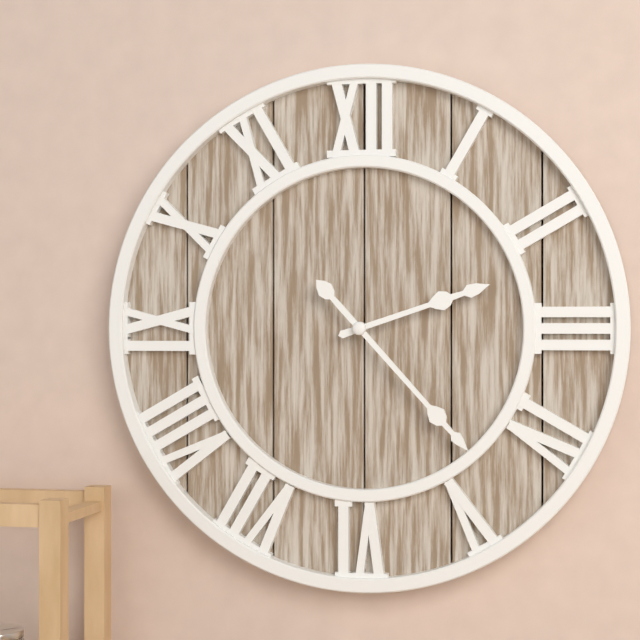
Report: 2:23
